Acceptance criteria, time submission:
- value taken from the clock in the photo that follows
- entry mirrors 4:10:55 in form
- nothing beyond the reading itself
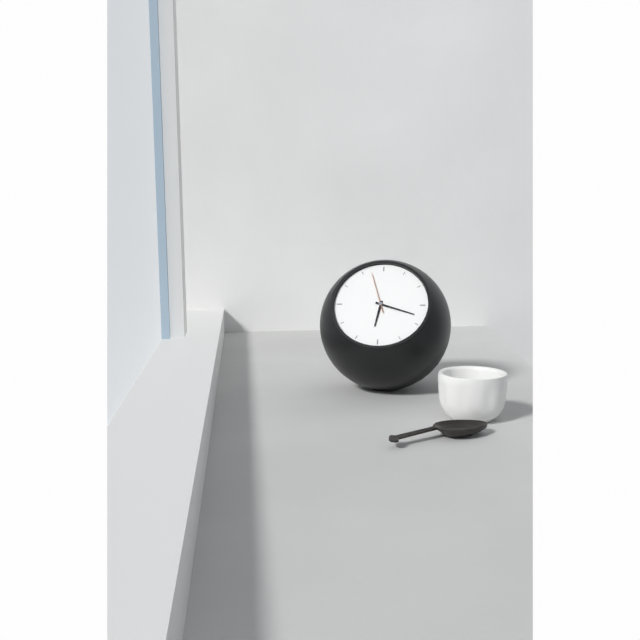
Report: 6:18:57
